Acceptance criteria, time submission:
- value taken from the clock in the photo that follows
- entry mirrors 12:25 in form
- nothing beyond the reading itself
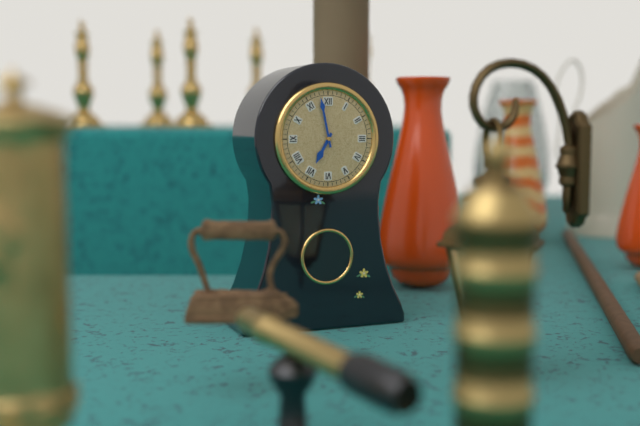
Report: 6:58
